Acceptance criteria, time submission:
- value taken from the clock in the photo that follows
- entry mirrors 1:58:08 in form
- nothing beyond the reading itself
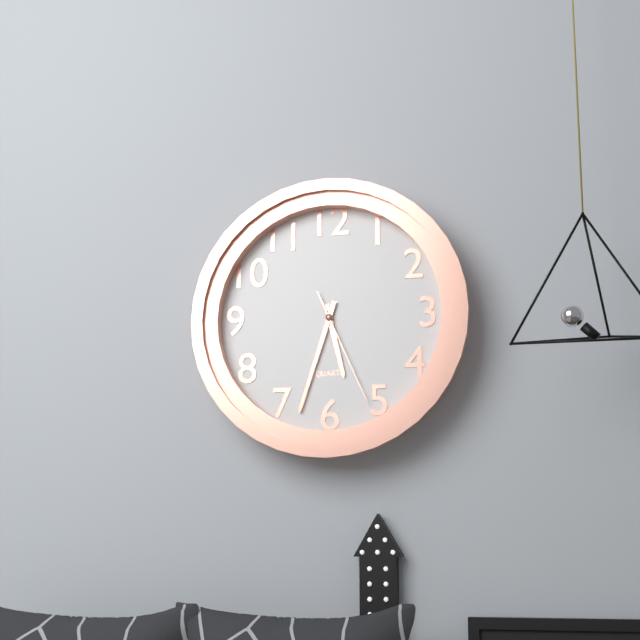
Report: 5:33:26
